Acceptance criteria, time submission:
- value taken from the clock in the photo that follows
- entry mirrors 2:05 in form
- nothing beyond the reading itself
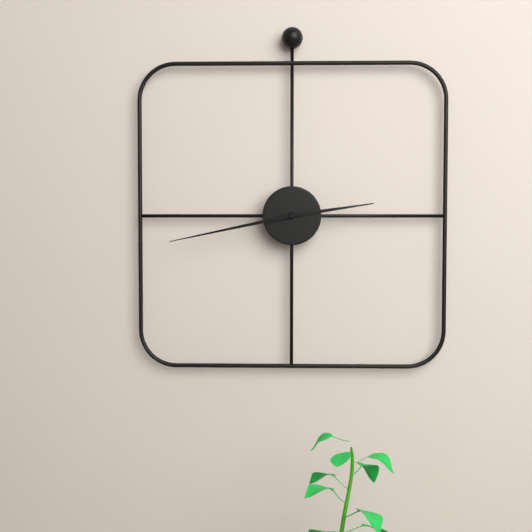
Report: 2:43
